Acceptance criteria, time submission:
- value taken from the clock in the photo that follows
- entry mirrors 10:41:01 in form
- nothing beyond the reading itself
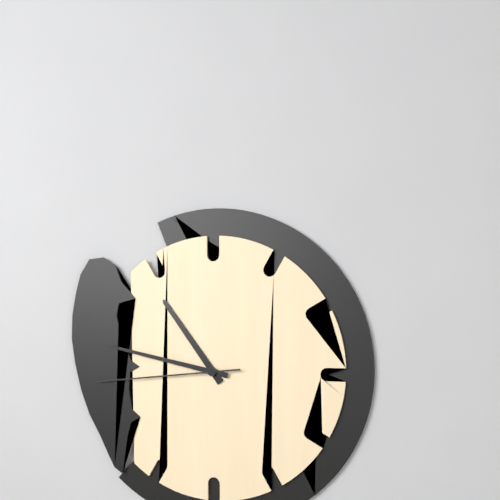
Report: 10:47:44
